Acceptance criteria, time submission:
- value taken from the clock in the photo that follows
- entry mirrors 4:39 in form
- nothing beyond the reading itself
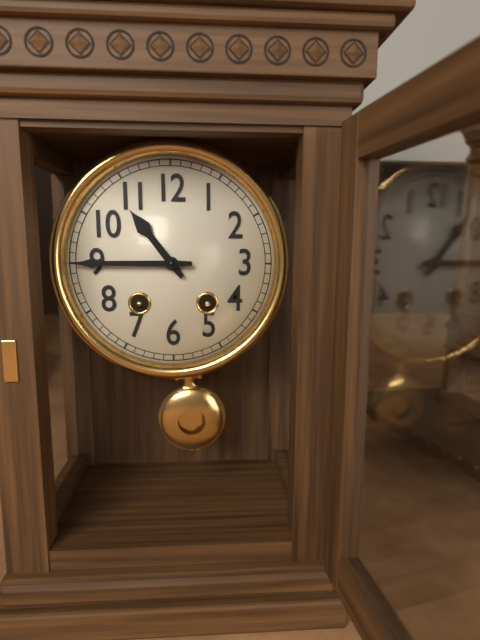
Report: 10:45
